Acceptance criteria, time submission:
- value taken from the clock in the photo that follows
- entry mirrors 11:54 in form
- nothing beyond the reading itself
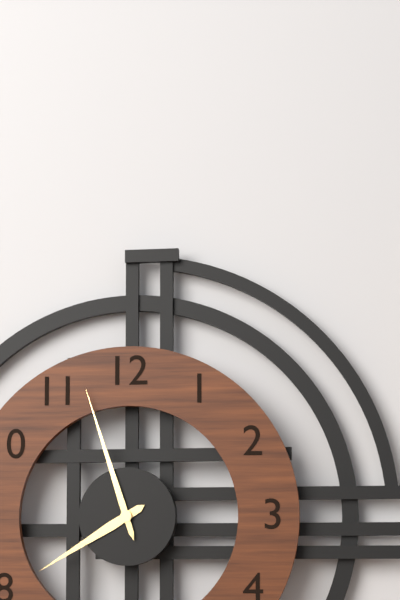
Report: 7:57
